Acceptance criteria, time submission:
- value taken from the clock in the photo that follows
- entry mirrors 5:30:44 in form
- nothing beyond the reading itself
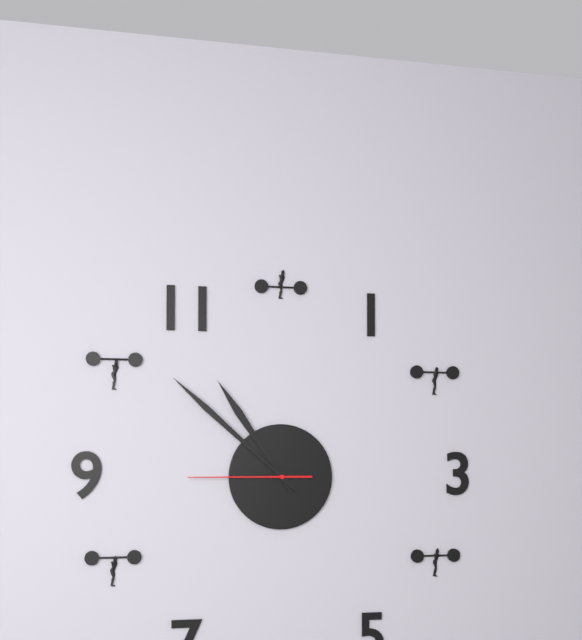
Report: 10:52:45
